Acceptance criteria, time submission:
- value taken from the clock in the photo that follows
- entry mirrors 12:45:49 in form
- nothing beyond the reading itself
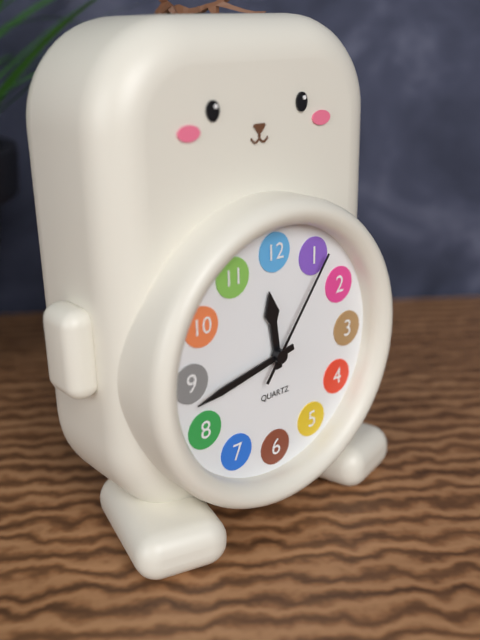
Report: 11:43:06
